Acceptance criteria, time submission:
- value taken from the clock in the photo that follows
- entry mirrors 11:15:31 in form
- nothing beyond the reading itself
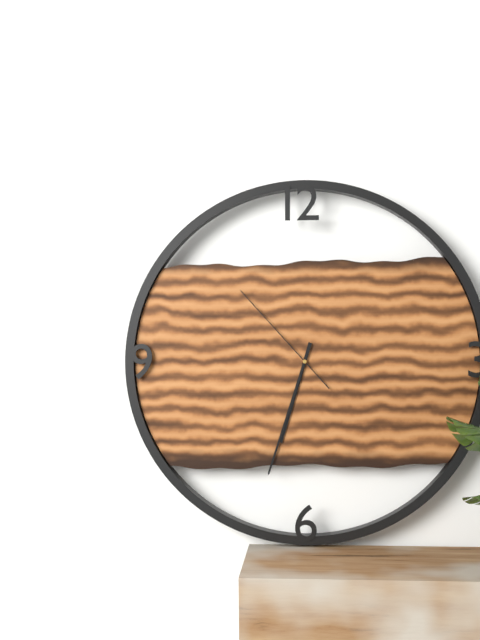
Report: 6:33:53
